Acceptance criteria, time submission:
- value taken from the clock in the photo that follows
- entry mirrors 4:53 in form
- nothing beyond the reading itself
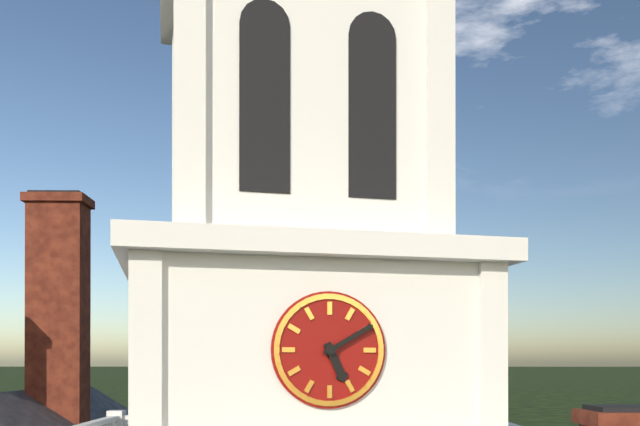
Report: 5:10
